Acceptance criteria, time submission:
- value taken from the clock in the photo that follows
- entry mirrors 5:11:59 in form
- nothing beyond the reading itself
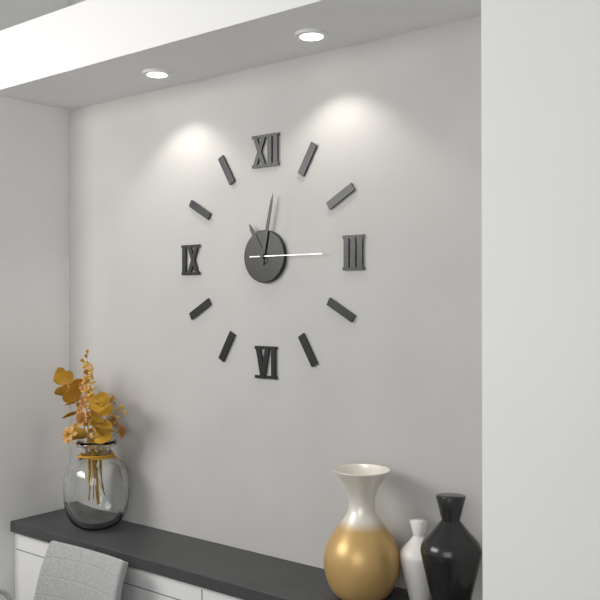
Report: 11:02:15
